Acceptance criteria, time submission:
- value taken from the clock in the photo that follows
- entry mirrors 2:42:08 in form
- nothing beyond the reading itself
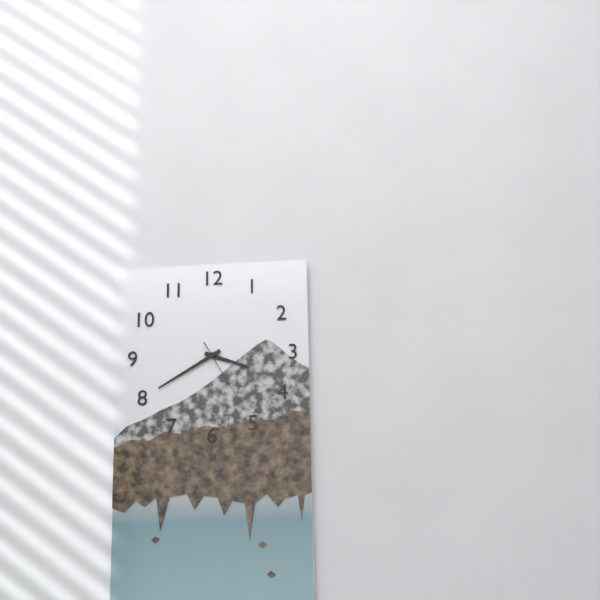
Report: 3:40:25
